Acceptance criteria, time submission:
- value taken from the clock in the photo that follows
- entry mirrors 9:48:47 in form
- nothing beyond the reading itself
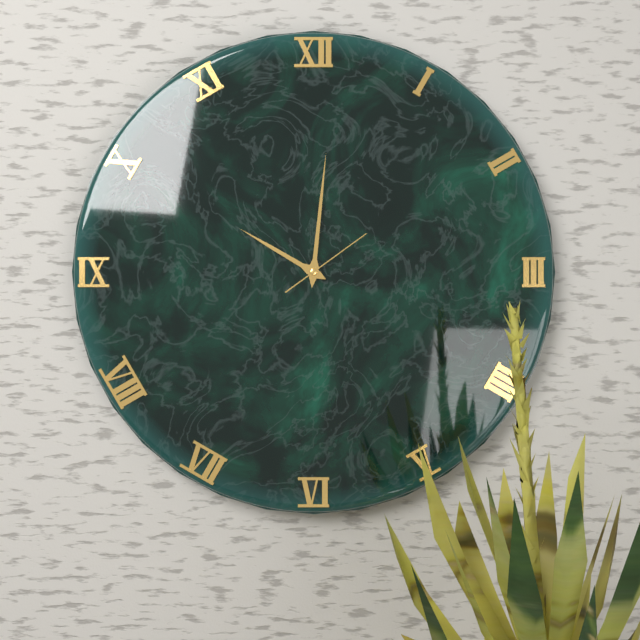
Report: 10:01:09
